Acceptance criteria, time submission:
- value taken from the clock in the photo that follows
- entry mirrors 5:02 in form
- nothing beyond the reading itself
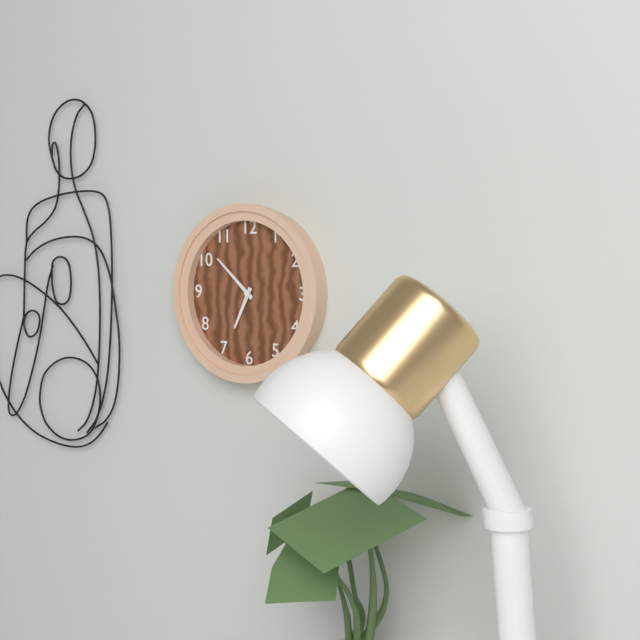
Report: 6:52
